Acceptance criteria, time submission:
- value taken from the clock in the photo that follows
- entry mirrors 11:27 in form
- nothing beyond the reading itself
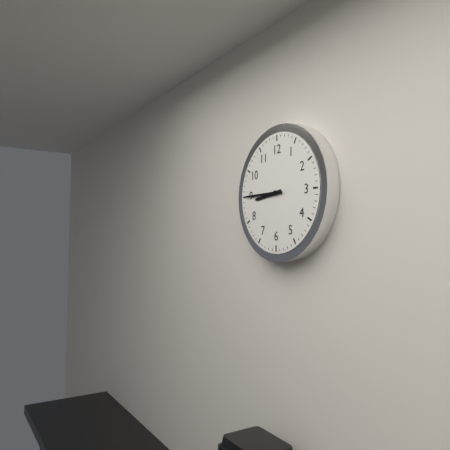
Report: 8:45
